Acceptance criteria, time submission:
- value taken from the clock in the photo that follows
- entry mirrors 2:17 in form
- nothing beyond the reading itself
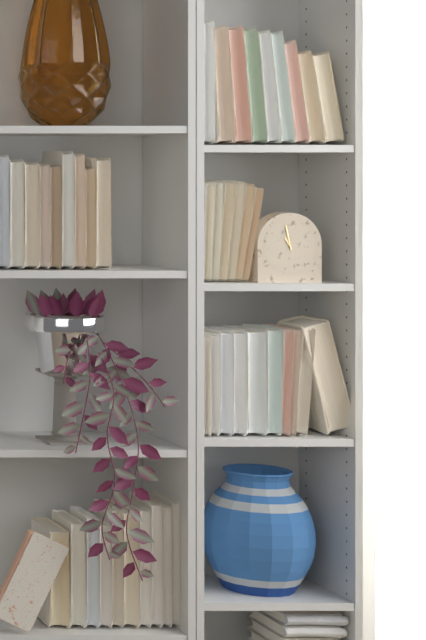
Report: 10:58
